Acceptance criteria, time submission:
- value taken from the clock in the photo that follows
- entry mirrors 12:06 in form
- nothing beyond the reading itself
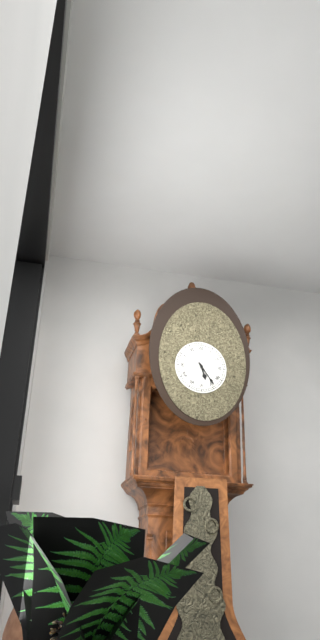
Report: 5:24
